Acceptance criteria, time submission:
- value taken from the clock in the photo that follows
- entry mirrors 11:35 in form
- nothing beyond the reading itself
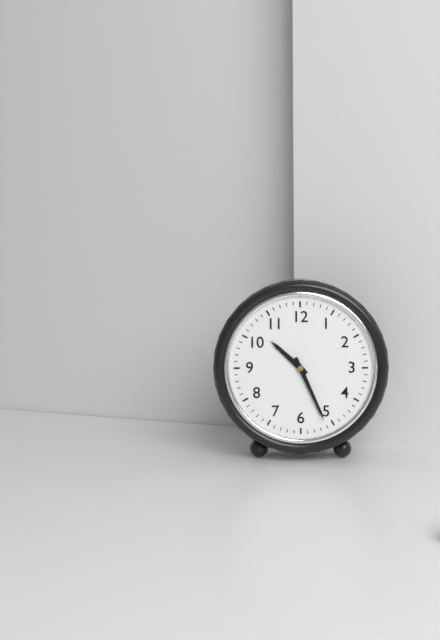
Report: 10:26
